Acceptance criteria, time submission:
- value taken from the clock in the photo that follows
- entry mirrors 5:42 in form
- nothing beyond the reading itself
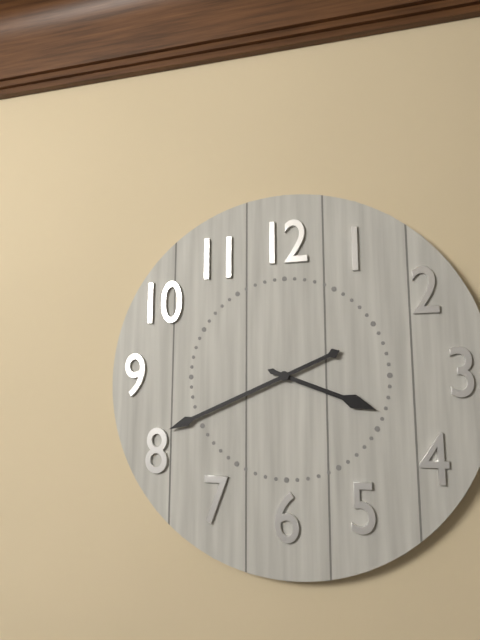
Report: 3:41
